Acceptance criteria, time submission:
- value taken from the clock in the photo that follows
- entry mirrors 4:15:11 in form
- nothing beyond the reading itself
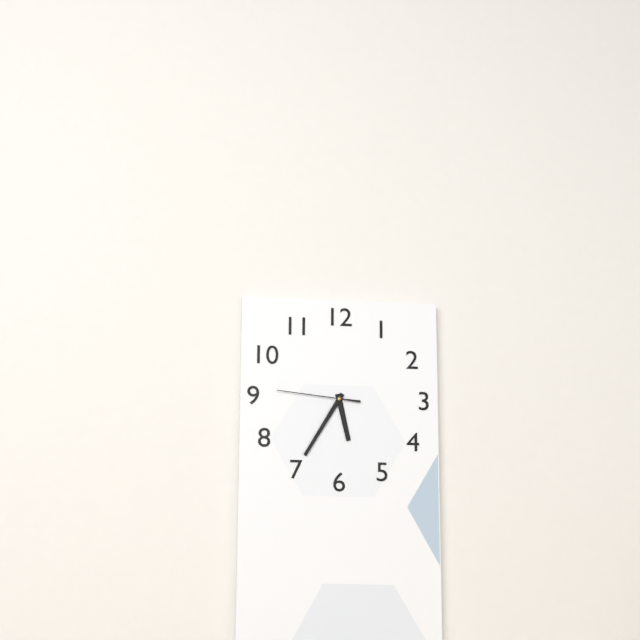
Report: 5:35:46
